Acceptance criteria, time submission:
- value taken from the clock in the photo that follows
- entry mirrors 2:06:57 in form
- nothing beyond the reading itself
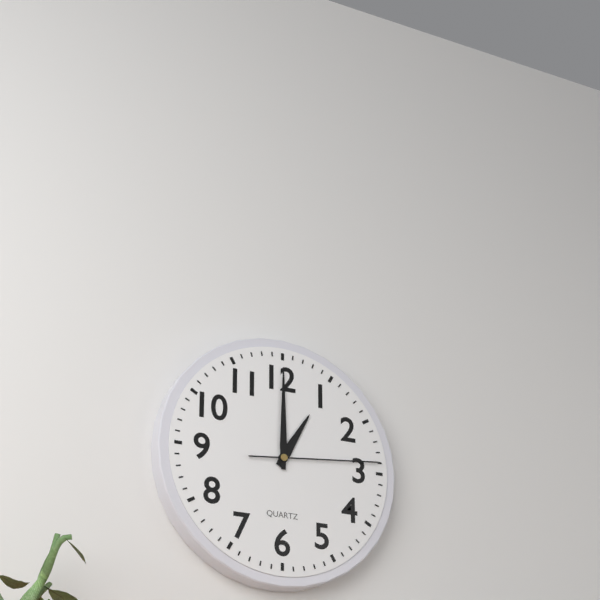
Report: 1:00:14
